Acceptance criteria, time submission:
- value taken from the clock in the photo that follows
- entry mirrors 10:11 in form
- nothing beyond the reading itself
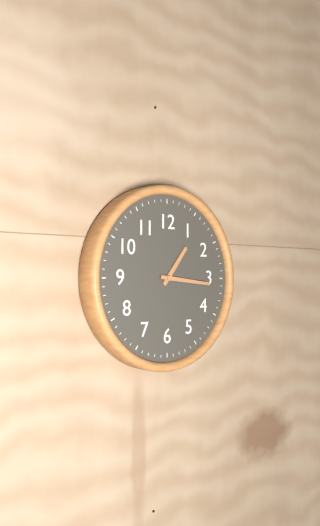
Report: 1:16
